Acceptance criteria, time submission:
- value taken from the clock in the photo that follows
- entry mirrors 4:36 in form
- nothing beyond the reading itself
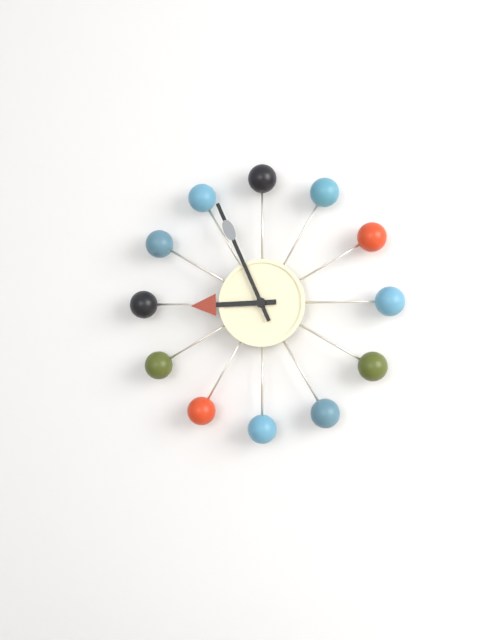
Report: 8:56
